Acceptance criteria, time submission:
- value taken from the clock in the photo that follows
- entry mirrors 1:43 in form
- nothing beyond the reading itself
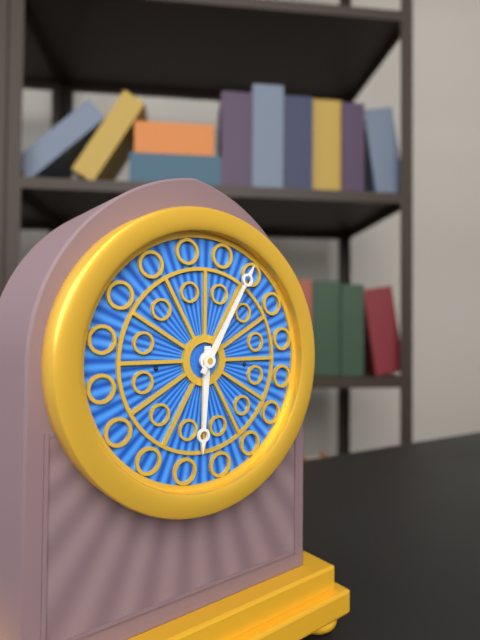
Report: 6:05
